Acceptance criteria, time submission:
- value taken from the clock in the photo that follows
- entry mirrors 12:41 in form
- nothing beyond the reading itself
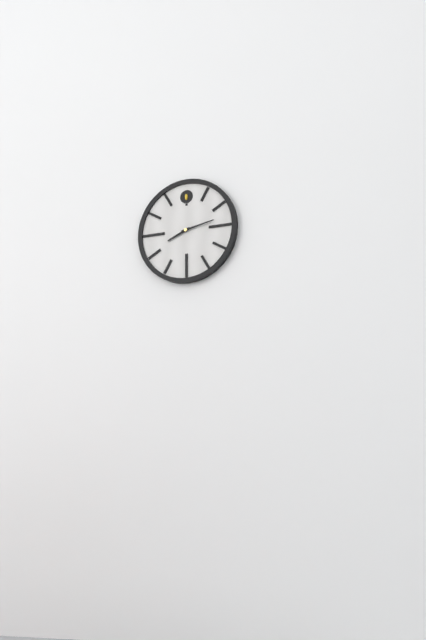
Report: 8:13
